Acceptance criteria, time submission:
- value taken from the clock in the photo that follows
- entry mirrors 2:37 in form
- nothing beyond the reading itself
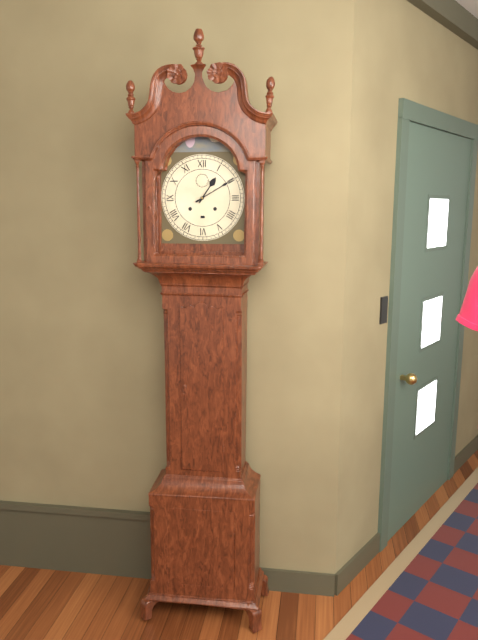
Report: 1:10
